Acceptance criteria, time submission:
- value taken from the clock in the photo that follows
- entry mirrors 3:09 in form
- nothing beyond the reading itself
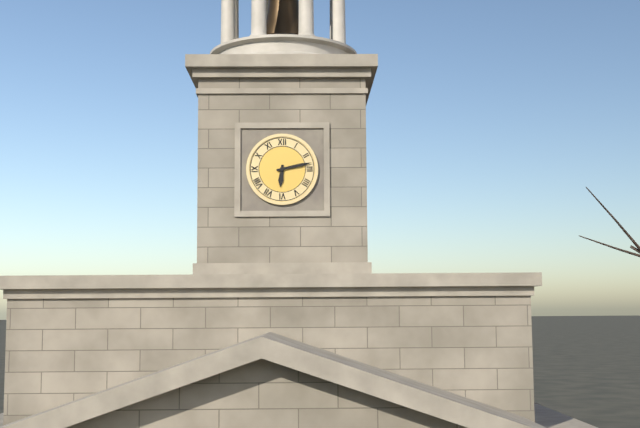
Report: 6:13
